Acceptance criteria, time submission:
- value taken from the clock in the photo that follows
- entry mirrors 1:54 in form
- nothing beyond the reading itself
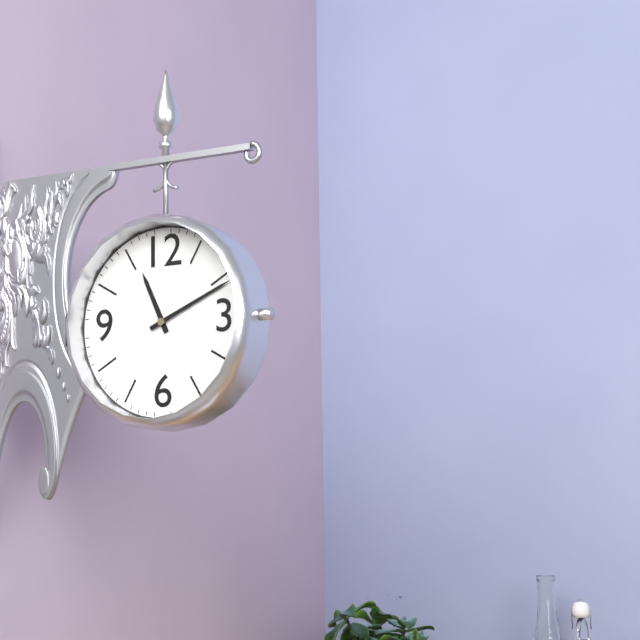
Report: 11:11
